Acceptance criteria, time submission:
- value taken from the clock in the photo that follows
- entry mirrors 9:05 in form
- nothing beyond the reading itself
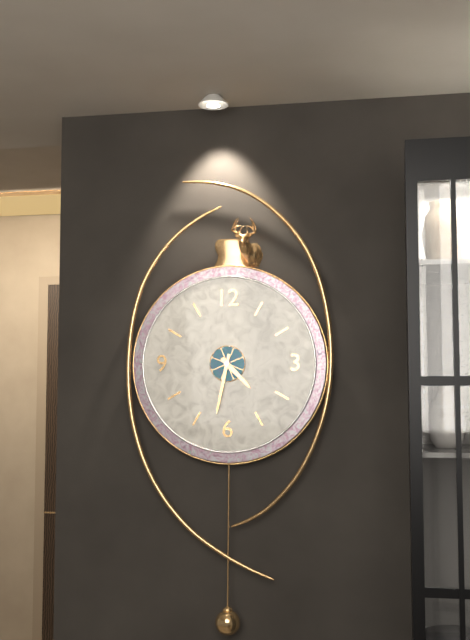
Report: 4:32
